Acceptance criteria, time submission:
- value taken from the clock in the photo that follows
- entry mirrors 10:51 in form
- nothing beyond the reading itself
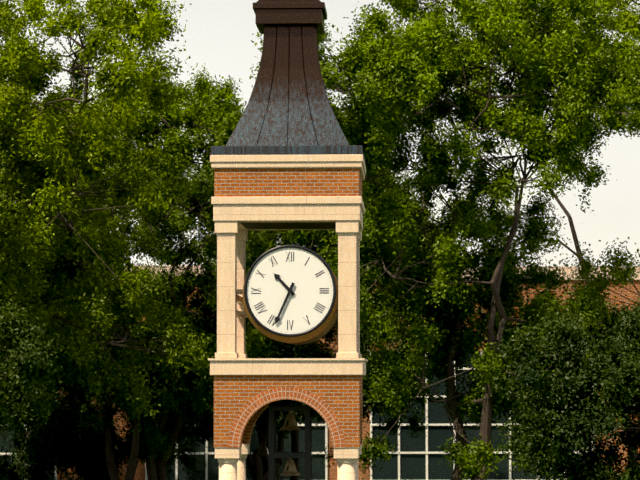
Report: 10:34
